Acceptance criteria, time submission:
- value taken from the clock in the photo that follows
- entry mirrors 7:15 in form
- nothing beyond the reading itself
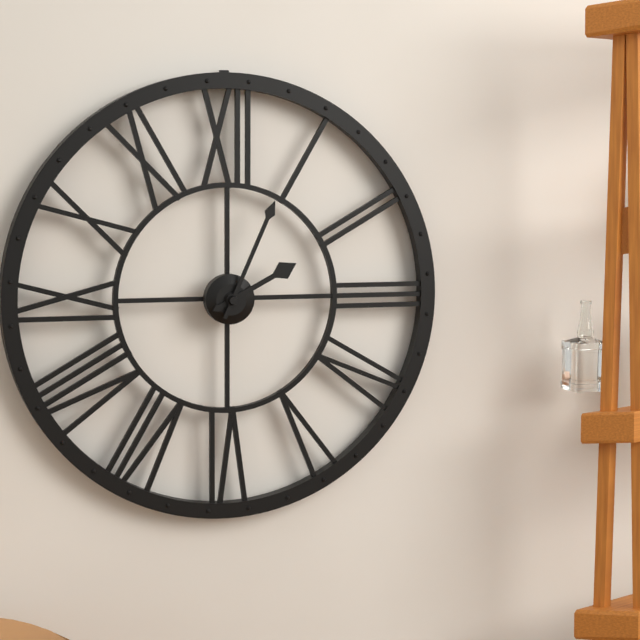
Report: 2:04
